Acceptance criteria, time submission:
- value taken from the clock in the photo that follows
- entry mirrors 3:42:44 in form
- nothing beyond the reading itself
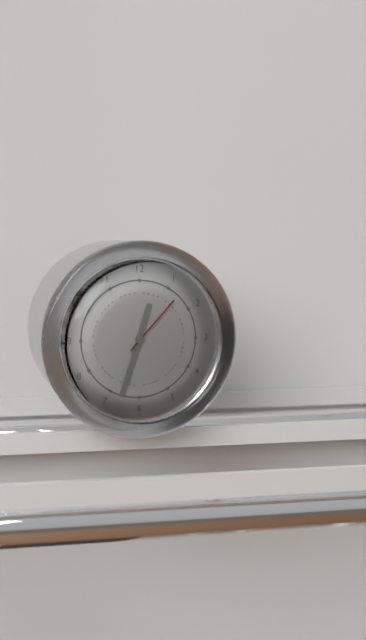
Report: 12:33:07
